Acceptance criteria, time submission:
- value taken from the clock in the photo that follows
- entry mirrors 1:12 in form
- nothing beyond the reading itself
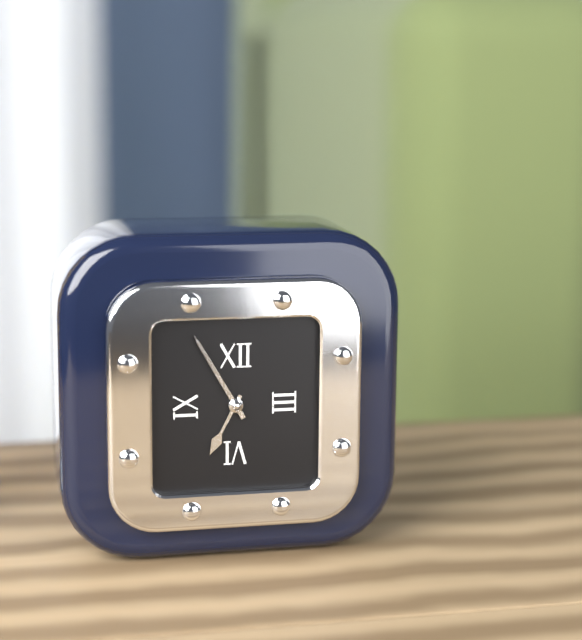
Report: 6:55
